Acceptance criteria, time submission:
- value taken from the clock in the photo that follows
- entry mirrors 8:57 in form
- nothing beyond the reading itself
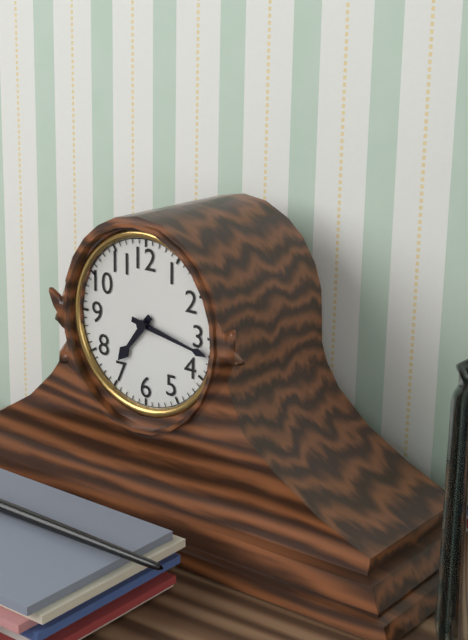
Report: 7:17
